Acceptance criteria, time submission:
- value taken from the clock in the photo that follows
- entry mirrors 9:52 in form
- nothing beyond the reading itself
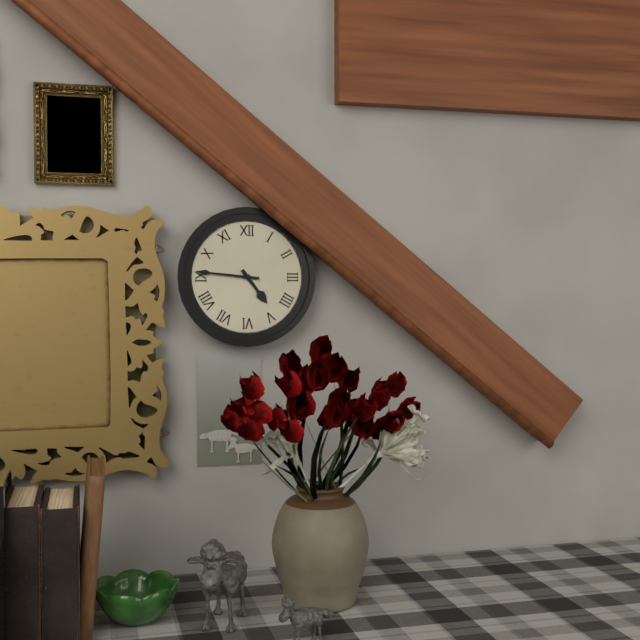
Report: 4:46
